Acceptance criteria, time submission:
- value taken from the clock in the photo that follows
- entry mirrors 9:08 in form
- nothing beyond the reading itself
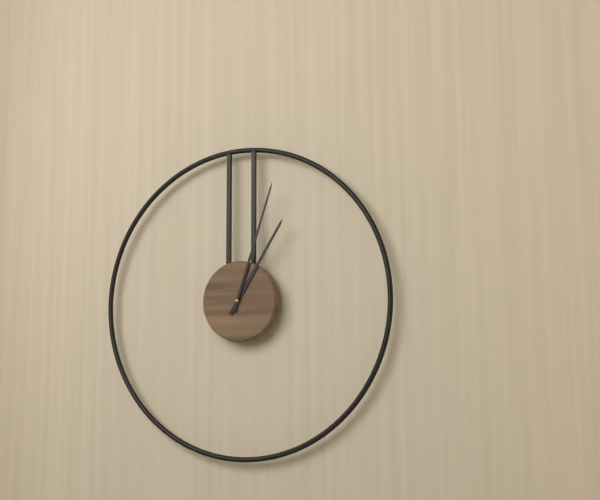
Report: 1:03
